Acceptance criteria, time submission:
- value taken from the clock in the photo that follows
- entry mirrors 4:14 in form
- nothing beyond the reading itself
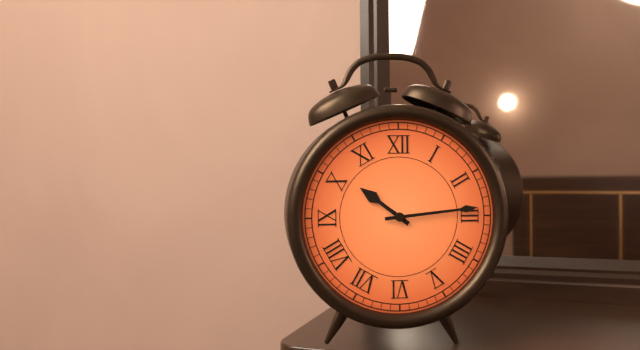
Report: 10:14
